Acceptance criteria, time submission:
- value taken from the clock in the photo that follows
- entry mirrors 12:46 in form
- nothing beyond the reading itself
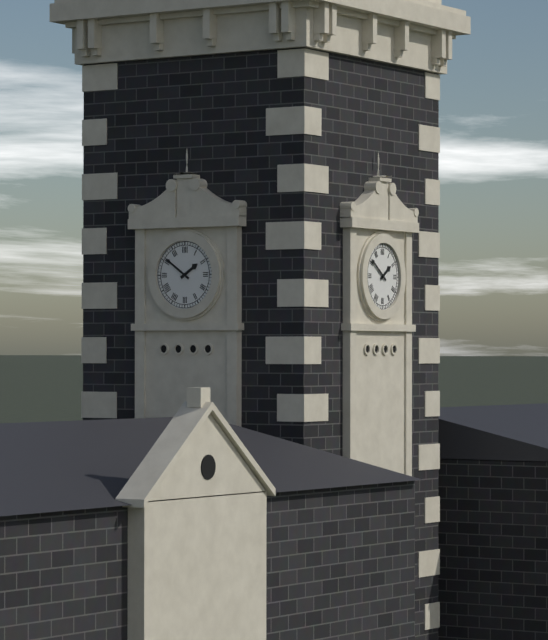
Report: 1:51
